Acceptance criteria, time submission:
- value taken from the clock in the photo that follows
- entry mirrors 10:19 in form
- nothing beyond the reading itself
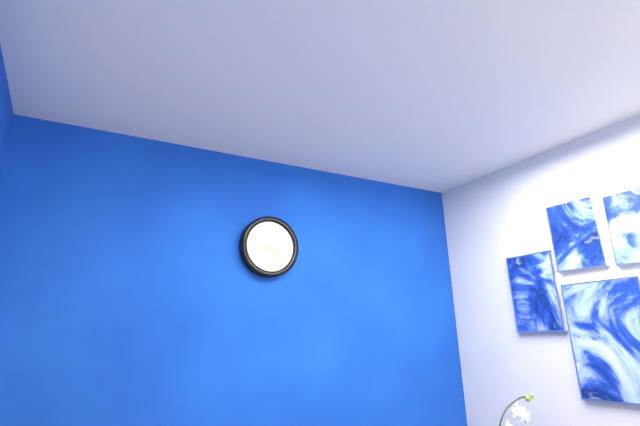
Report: 7:24
